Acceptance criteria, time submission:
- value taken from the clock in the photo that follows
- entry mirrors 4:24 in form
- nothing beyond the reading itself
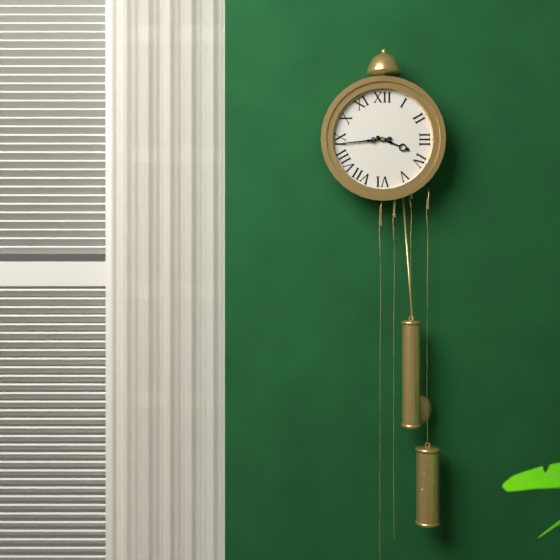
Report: 3:44
